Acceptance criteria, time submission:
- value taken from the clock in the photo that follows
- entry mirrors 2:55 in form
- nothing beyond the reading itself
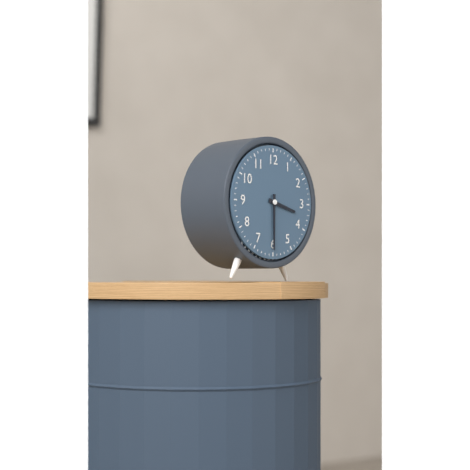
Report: 3:30
